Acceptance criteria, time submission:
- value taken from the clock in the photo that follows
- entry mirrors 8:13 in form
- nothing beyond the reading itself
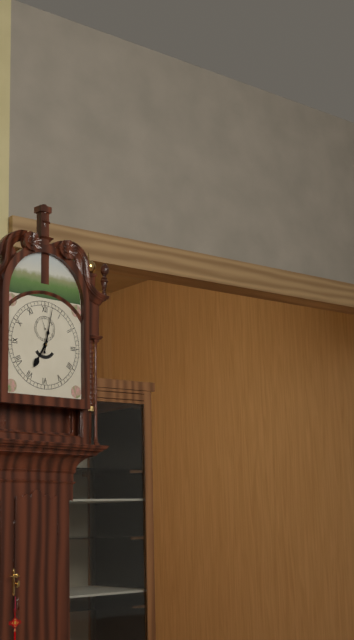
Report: 7:02
